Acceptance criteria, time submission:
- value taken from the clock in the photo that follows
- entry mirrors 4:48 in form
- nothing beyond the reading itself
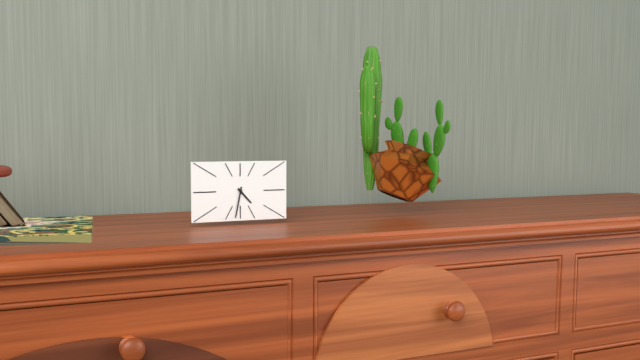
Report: 4:32
